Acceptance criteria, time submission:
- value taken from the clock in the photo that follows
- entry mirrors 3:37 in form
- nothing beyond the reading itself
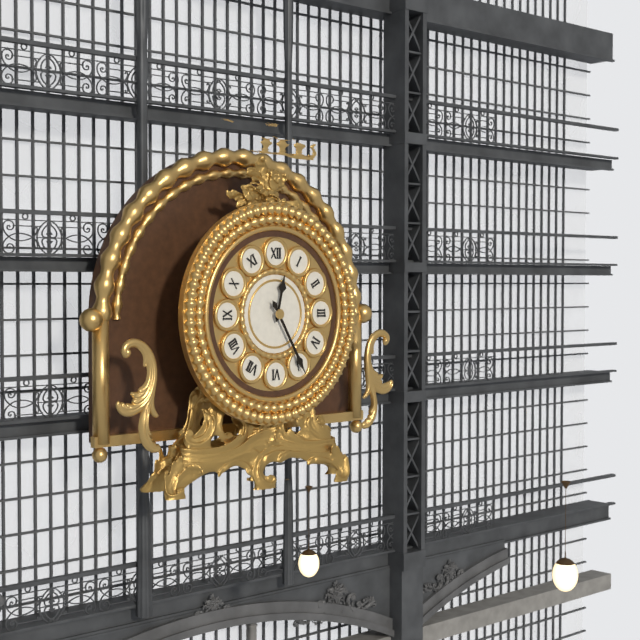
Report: 12:25
